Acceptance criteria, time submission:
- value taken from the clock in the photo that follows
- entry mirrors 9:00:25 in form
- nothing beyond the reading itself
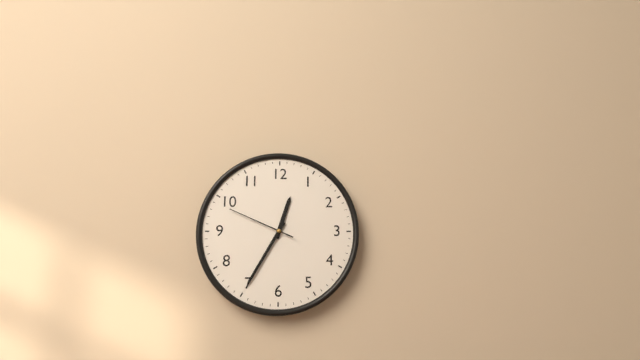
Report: 12:35:49
